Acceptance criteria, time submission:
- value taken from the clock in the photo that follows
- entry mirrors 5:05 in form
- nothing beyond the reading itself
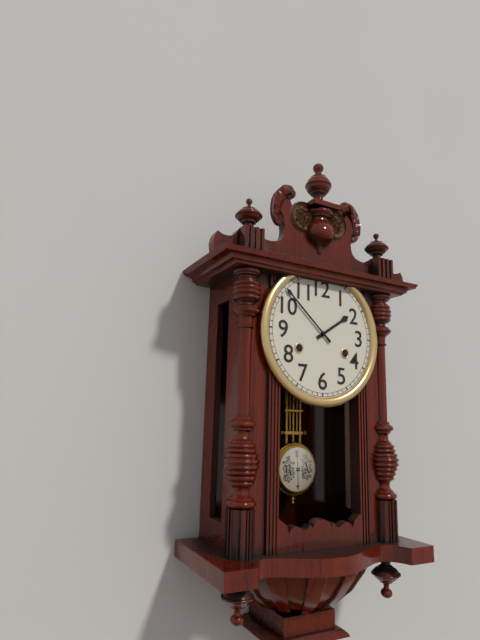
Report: 1:52
